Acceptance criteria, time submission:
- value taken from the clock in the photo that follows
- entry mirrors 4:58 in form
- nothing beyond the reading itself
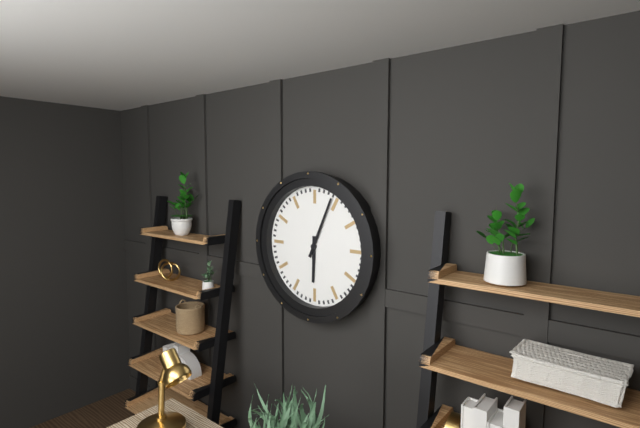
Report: 6:04
